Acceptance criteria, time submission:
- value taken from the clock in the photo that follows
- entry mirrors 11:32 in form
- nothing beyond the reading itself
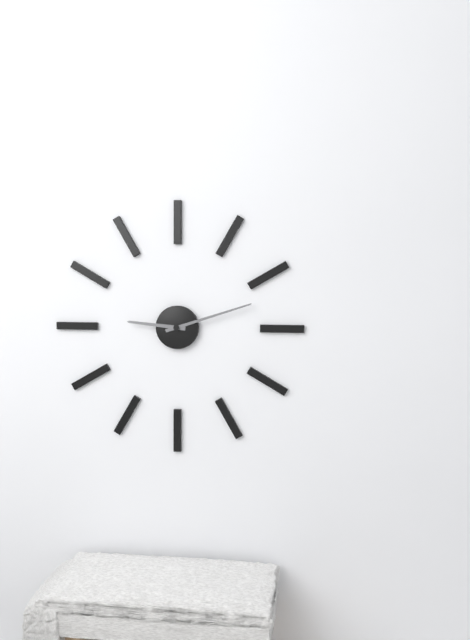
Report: 9:12
